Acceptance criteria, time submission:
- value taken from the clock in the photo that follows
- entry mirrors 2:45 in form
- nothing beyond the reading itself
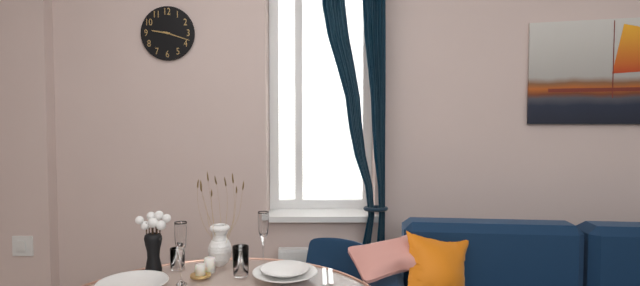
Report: 9:18
